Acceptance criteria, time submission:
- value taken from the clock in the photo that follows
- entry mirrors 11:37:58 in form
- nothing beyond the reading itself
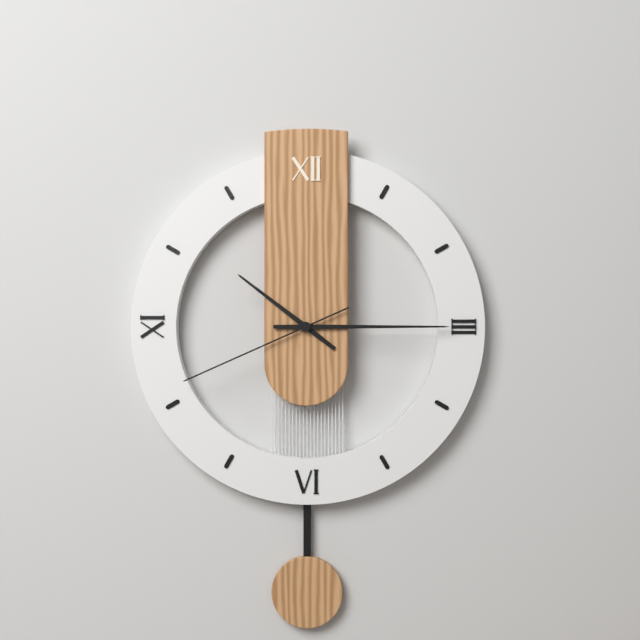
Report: 10:15:41
